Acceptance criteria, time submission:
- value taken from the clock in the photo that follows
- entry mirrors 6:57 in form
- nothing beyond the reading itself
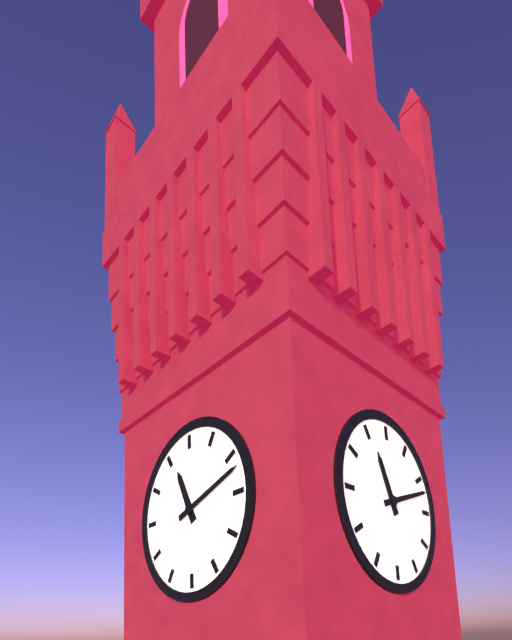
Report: 11:12
